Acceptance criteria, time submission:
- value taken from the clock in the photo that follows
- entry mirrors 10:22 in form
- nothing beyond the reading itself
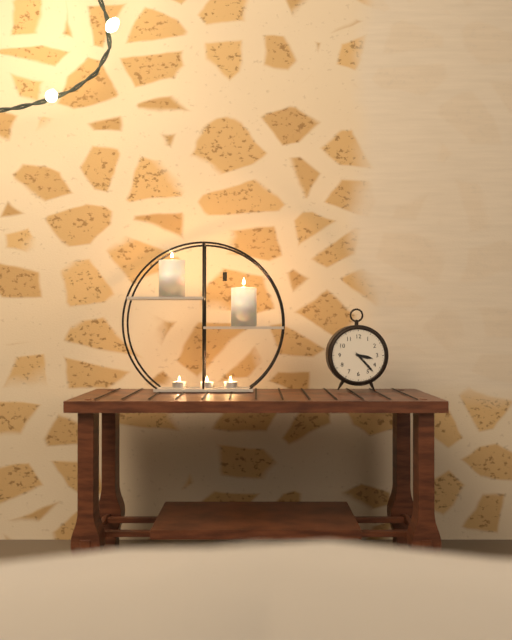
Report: 3:23
